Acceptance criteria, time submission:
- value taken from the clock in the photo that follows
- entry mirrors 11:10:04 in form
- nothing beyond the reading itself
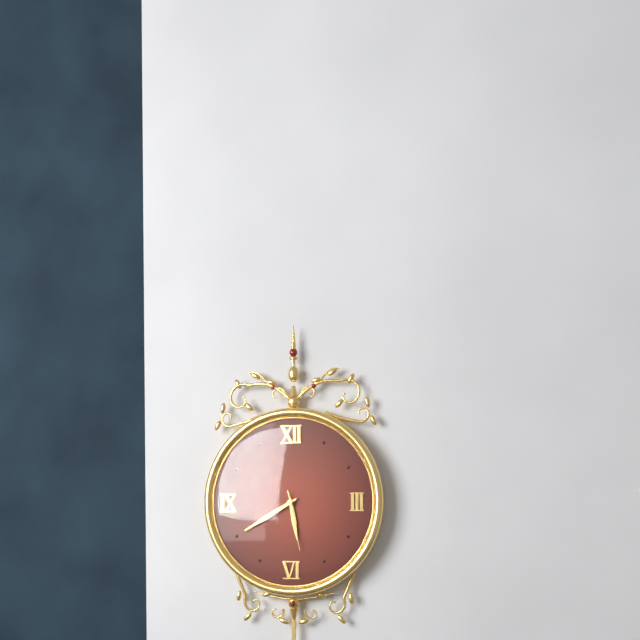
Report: 5:40:28
